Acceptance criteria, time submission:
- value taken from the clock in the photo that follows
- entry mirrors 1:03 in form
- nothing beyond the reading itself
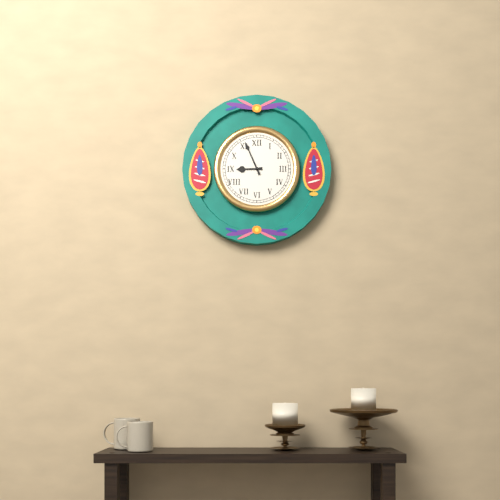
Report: 8:56
